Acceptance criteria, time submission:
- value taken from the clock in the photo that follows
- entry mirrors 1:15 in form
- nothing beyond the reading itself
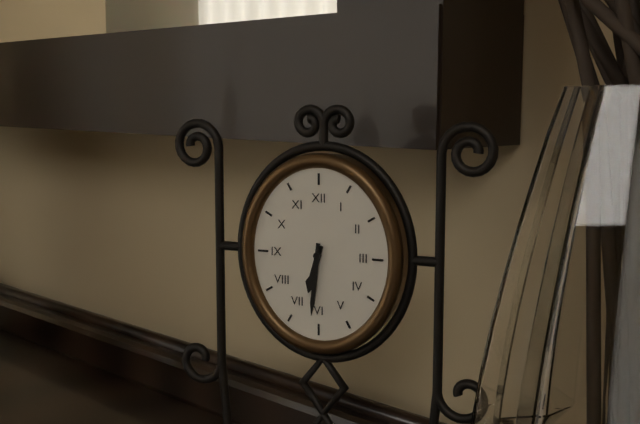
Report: 6:31
